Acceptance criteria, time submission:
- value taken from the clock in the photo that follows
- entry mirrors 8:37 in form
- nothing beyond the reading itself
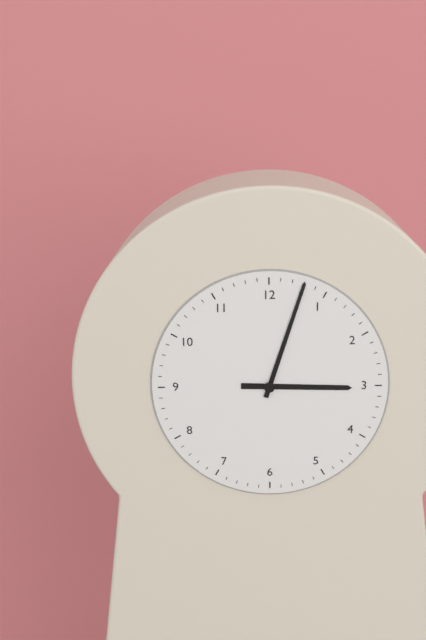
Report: 3:03
